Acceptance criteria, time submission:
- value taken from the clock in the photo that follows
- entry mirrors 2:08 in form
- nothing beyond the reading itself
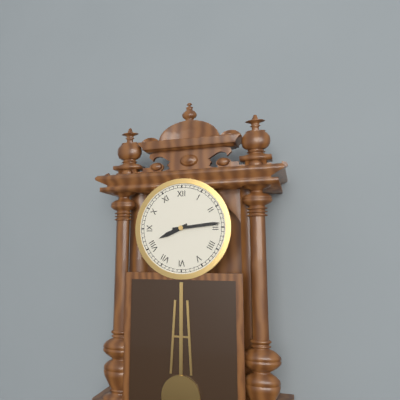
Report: 8:14
